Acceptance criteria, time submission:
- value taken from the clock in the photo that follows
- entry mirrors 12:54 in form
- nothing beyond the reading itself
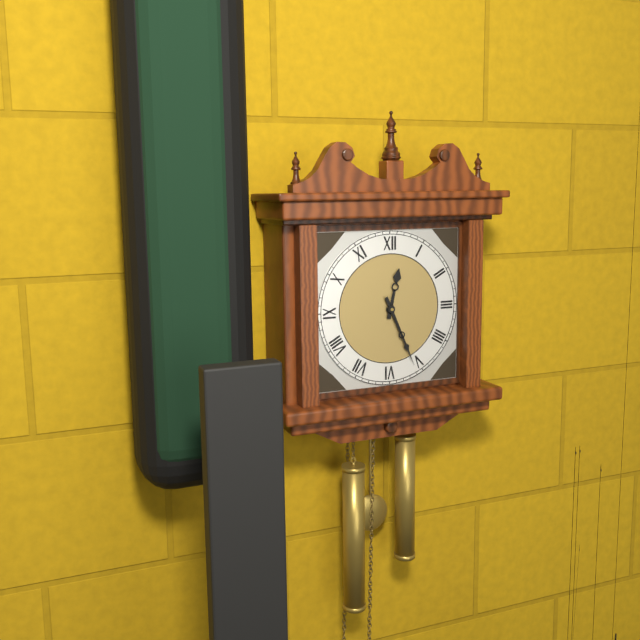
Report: 12:26
